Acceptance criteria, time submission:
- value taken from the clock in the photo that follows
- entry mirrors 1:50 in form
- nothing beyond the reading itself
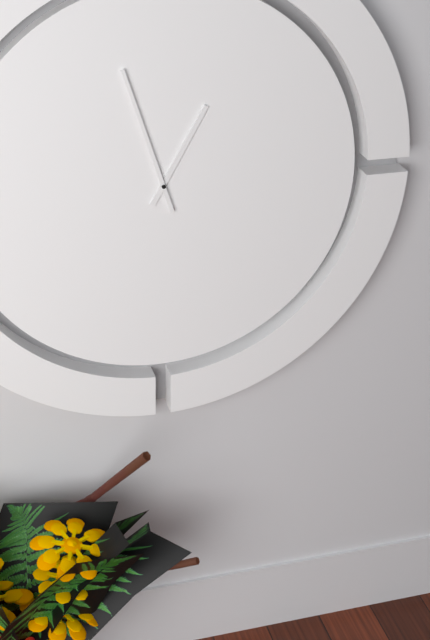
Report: 12:57
